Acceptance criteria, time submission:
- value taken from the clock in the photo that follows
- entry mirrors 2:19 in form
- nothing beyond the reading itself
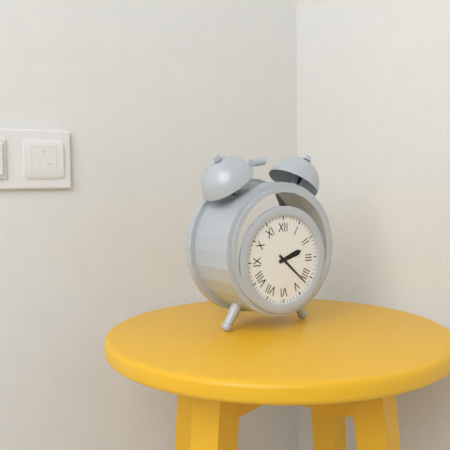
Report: 2:22
